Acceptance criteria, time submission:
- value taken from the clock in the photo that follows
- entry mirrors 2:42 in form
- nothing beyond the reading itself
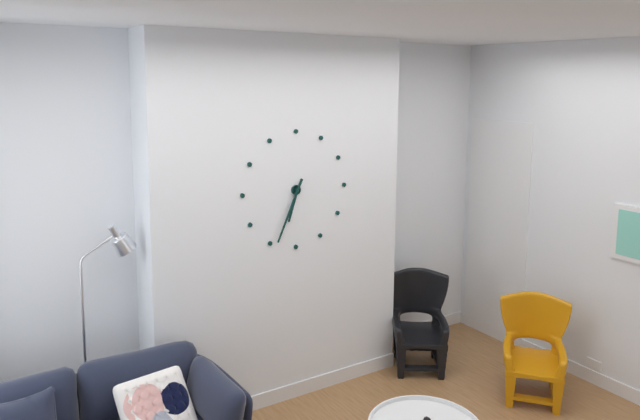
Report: 6:34
